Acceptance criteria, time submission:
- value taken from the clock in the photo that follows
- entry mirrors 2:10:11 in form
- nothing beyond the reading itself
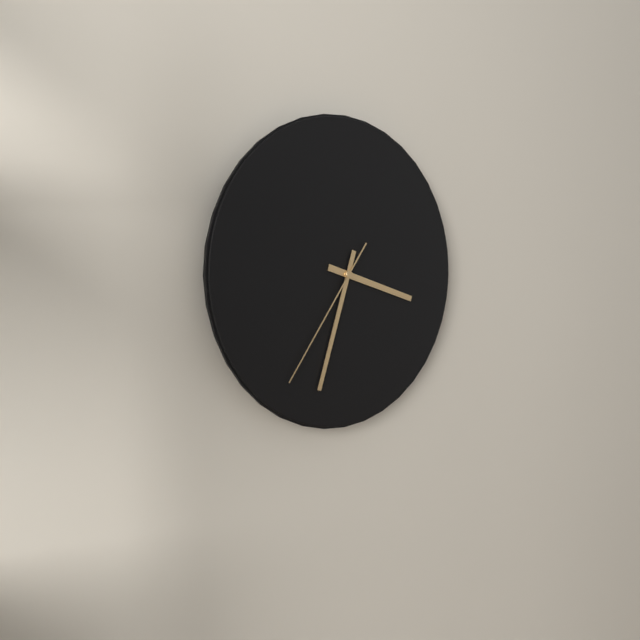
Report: 3:33:36
